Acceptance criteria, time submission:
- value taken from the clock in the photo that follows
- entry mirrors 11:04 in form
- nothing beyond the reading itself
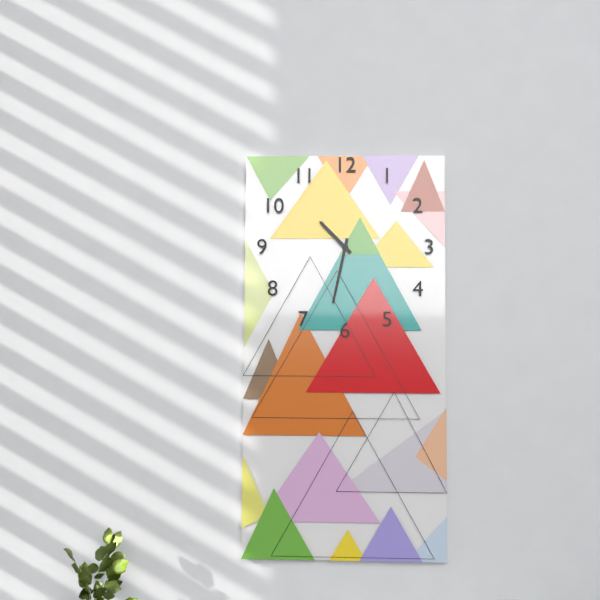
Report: 10:32
